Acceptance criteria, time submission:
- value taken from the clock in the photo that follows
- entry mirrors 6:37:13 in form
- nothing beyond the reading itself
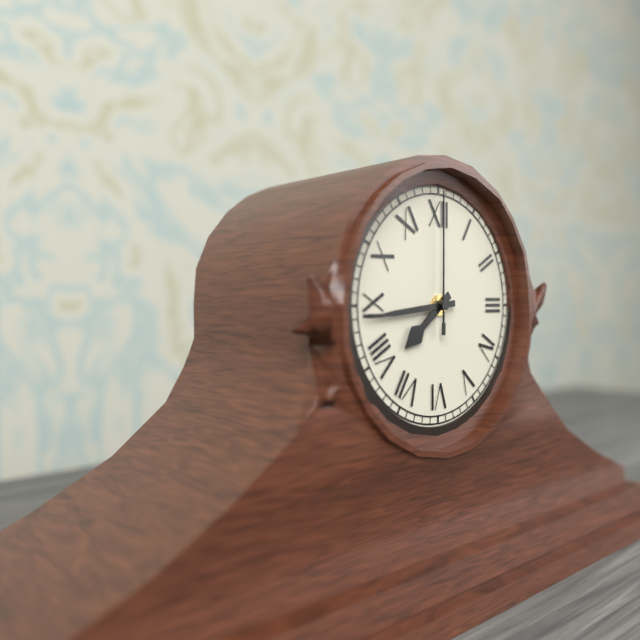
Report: 7:44:00
